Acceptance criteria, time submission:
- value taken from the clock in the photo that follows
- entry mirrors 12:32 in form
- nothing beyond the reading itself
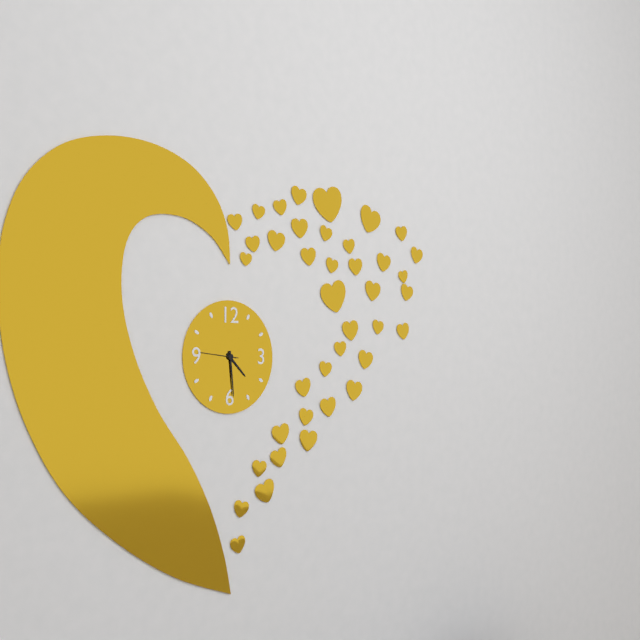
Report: 4:29
